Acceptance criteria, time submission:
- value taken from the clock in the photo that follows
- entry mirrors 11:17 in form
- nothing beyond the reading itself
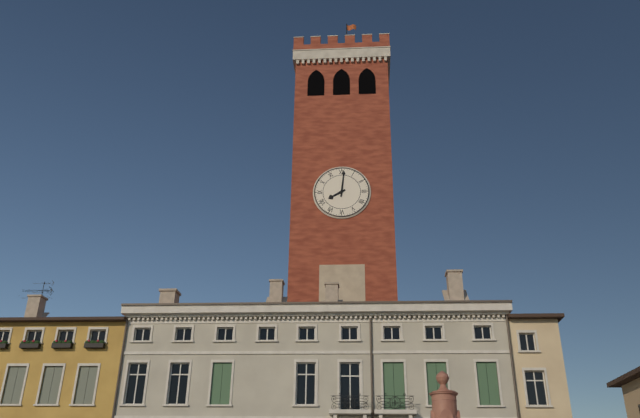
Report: 8:01
